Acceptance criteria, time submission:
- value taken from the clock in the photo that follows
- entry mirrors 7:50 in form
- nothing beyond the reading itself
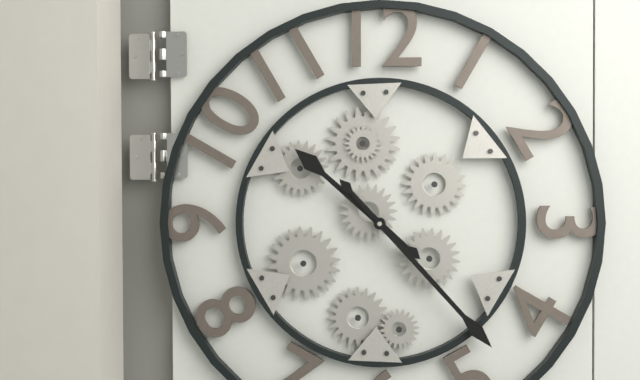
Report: 10:23
